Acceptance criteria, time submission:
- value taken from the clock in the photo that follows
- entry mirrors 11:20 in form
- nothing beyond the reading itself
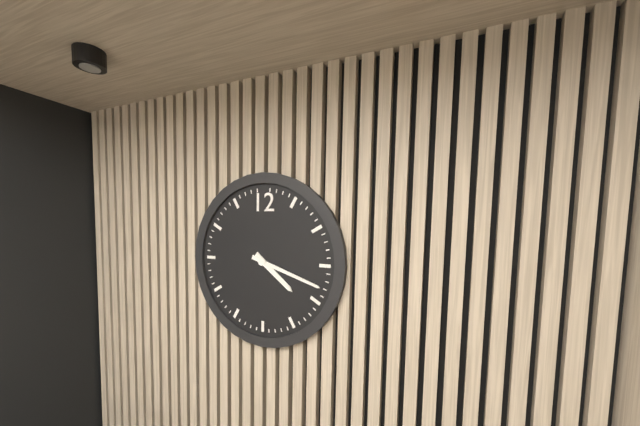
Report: 4:18
